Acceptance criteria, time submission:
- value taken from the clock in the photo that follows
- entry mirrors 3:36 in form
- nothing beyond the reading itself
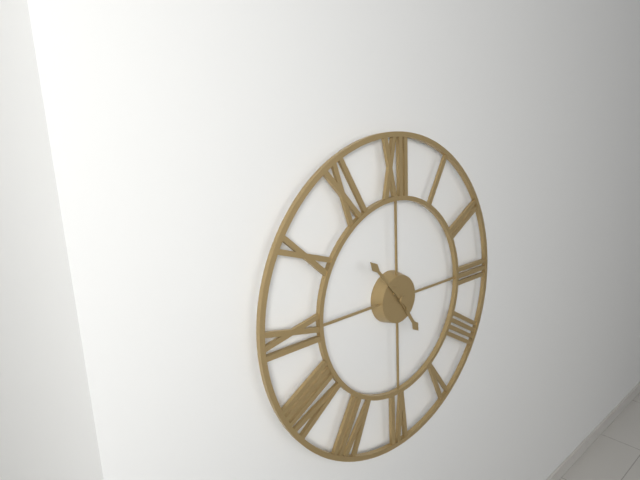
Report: 4:53
